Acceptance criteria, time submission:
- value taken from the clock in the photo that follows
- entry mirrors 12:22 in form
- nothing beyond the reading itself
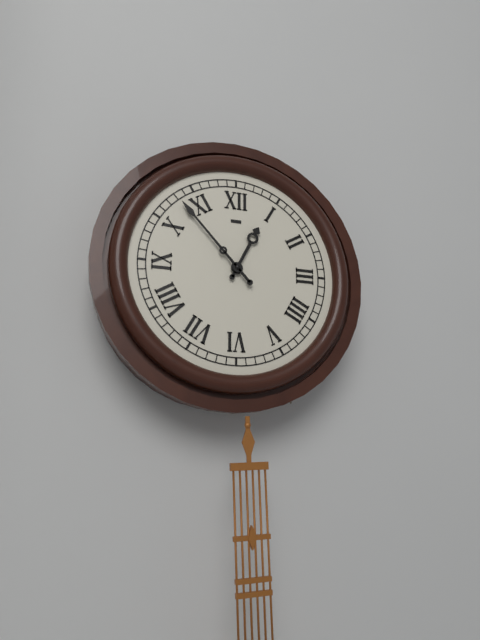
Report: 12:53
